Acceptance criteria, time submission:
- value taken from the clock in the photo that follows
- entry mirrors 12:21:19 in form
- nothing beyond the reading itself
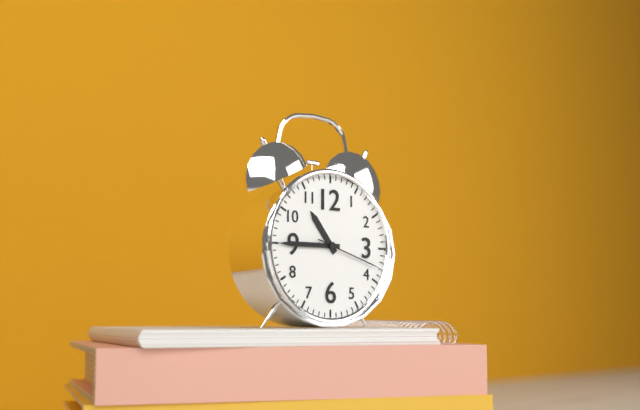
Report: 10:45:18
